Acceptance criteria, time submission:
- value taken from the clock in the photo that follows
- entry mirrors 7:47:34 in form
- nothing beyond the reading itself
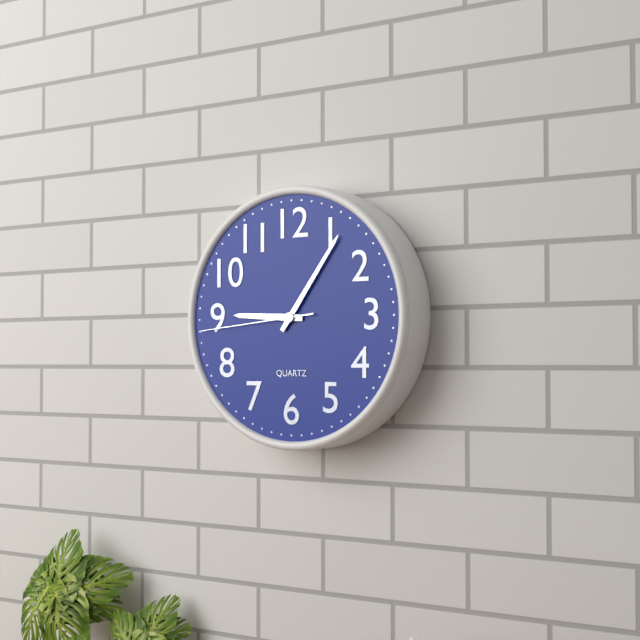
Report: 9:06:44
